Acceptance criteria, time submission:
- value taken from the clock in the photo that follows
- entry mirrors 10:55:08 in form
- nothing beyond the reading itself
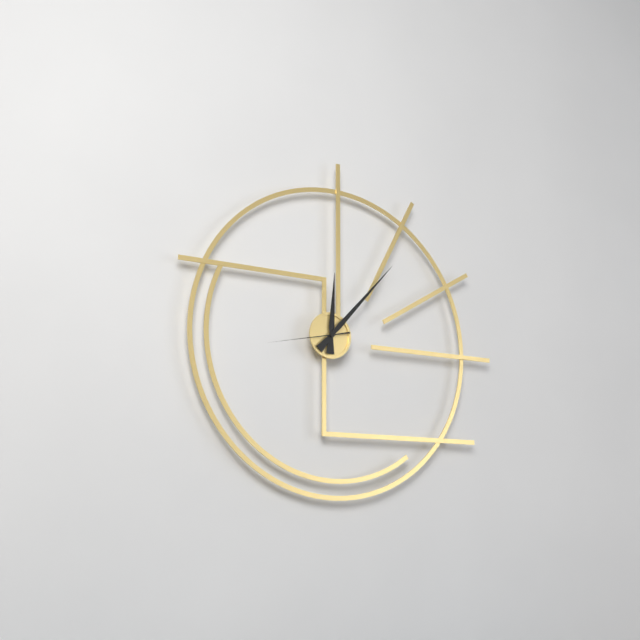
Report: 12:07:43
